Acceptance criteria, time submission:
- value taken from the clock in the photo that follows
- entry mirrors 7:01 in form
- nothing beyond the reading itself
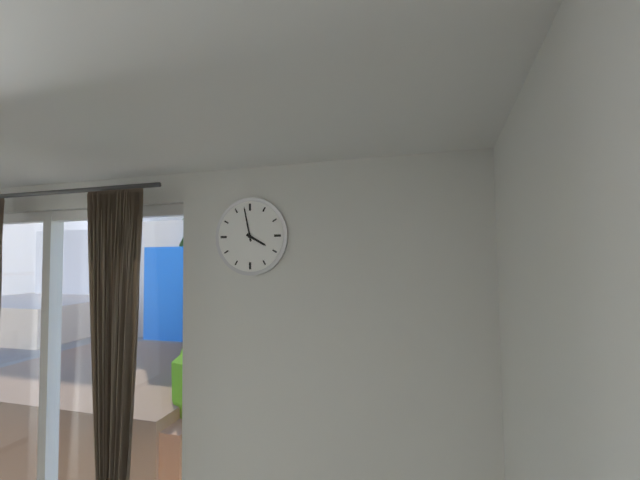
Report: 3:58
